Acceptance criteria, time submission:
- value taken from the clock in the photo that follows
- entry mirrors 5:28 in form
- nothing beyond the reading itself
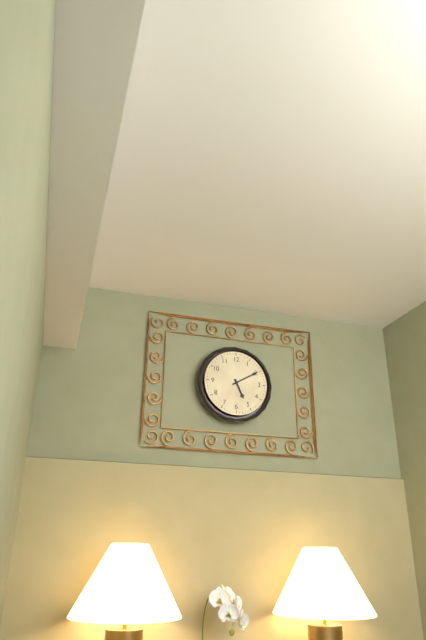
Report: 5:10
